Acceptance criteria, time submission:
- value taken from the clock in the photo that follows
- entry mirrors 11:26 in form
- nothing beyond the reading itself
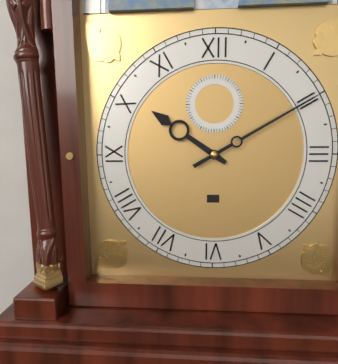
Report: 10:10
